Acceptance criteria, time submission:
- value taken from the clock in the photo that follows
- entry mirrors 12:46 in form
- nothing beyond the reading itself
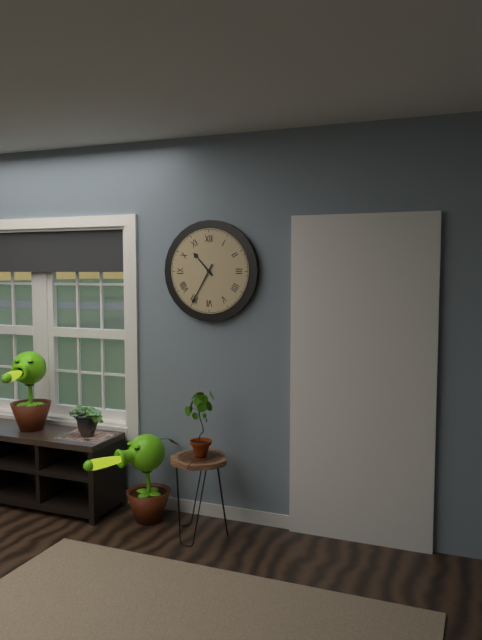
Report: 10:35
